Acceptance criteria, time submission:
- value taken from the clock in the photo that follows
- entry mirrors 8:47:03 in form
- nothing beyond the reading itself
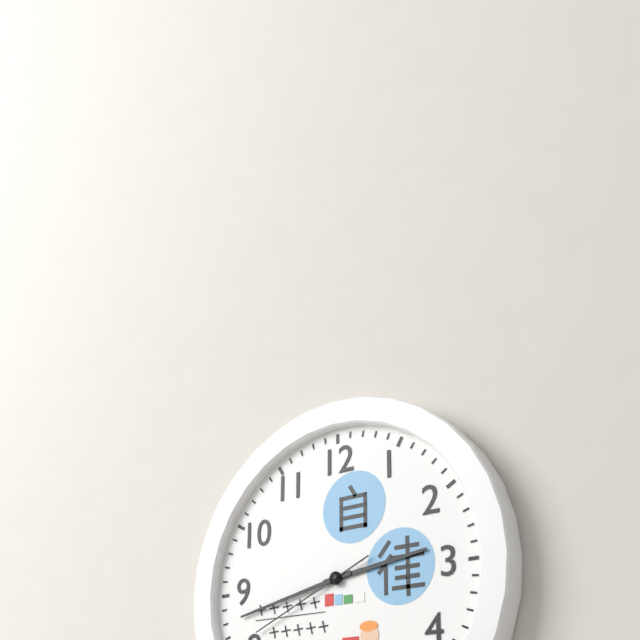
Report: 2:43:41
